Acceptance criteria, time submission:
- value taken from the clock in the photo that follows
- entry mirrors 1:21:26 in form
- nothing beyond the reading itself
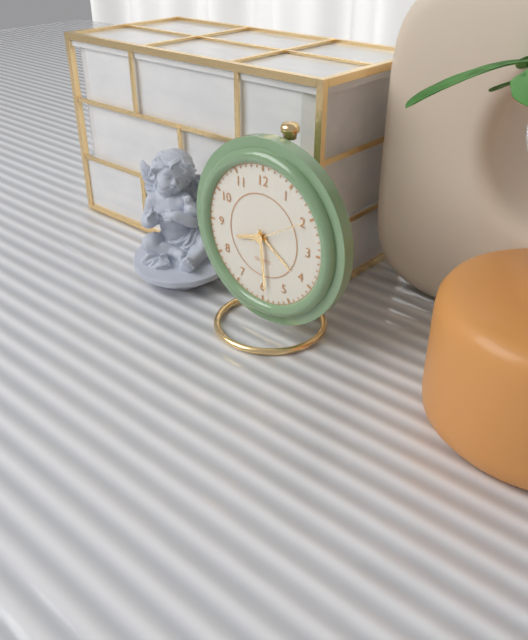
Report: 8:29:10
